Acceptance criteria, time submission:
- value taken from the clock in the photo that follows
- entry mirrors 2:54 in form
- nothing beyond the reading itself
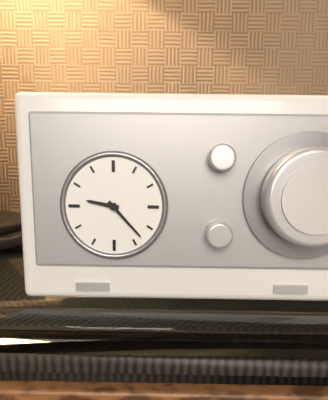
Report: 9:23
